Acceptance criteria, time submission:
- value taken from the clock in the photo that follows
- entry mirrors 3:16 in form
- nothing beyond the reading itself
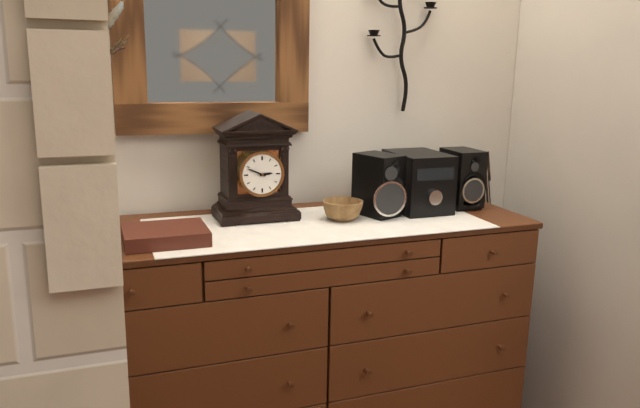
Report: 2:49
